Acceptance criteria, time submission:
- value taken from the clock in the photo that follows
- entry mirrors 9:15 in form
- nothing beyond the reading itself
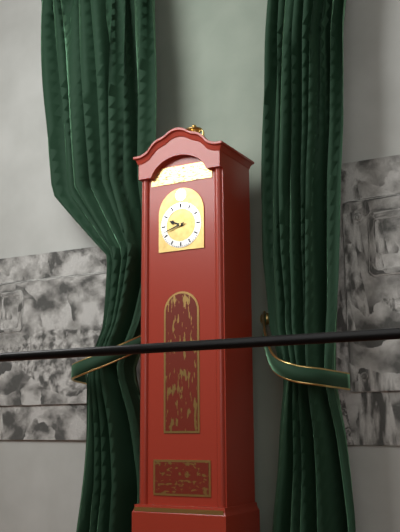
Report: 9:42
